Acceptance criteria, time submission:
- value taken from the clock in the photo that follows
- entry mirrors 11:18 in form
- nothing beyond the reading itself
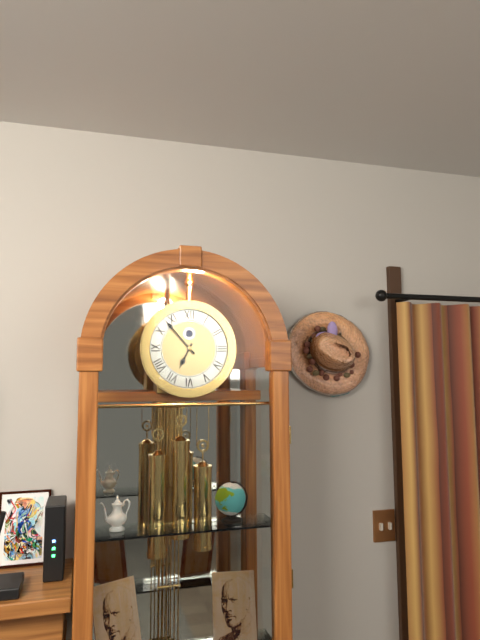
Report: 6:53
